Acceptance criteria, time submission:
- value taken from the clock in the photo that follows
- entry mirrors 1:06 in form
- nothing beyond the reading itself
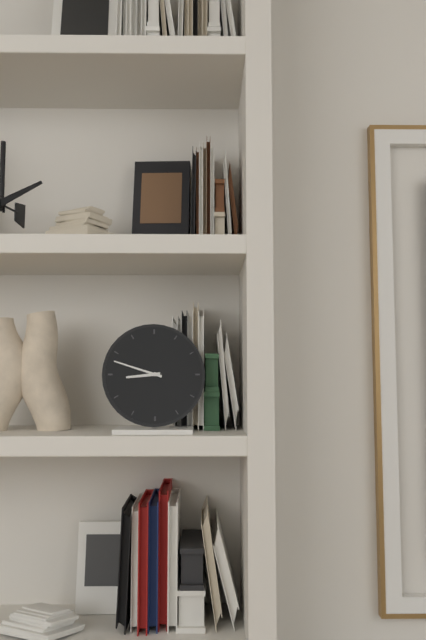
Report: 8:48
